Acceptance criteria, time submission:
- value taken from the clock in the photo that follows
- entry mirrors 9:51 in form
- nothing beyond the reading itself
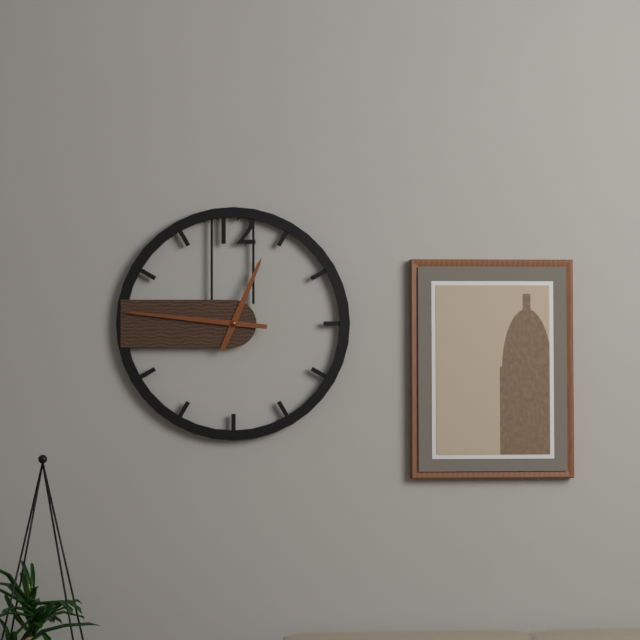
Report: 12:46
